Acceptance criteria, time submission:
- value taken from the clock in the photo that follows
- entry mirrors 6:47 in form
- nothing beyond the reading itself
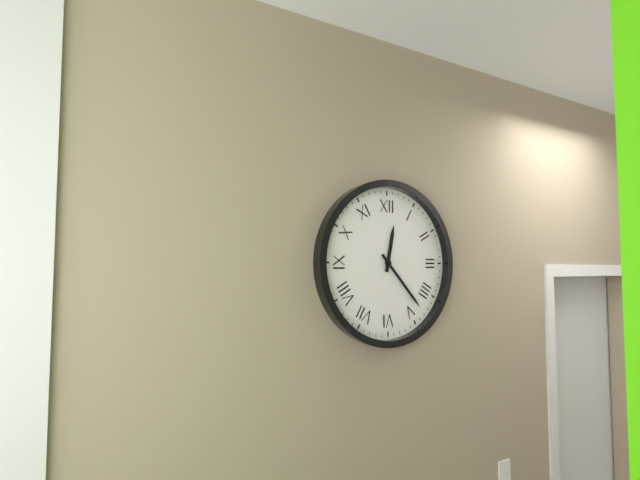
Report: 12:23
